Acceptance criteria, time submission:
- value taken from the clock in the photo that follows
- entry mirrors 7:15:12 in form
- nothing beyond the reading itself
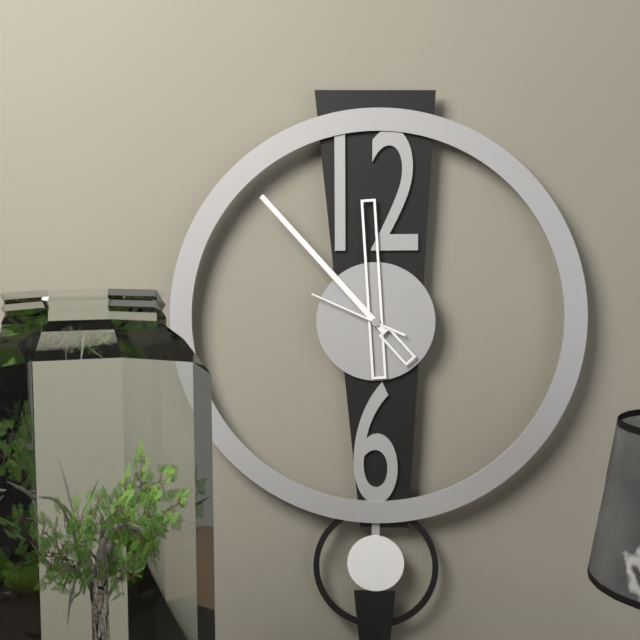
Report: 11:53:49
